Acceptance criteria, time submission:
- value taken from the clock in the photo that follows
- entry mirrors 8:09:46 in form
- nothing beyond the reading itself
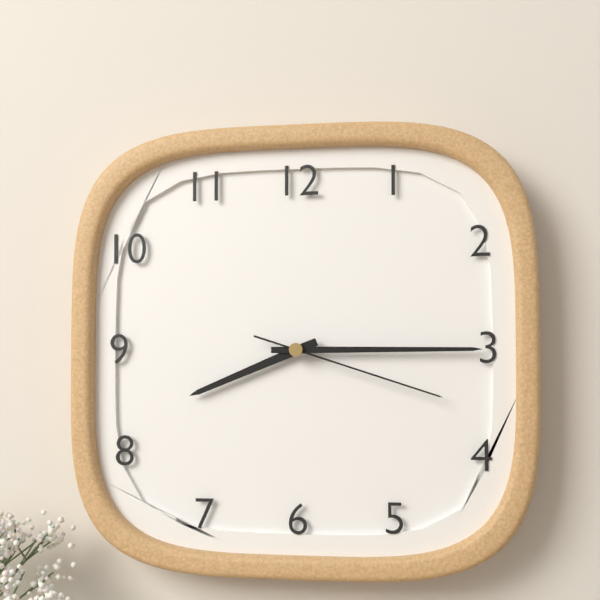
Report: 8:15:18
